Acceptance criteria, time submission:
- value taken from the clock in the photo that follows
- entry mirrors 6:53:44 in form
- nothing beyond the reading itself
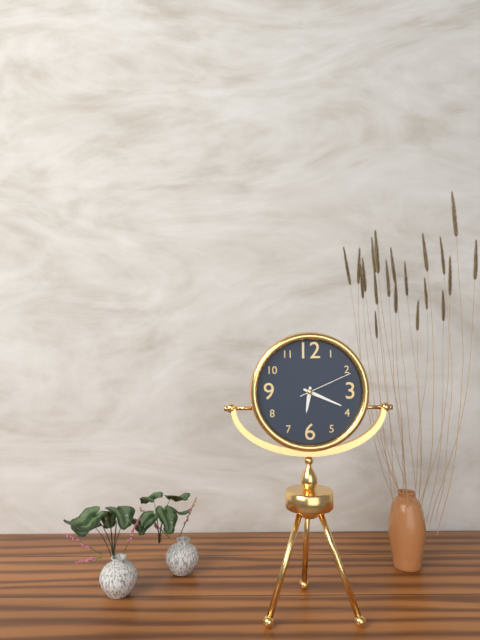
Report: 6:19:11
